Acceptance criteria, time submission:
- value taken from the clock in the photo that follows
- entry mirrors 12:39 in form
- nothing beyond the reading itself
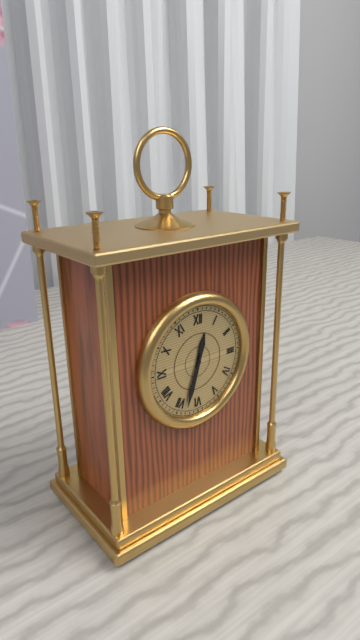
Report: 12:33
